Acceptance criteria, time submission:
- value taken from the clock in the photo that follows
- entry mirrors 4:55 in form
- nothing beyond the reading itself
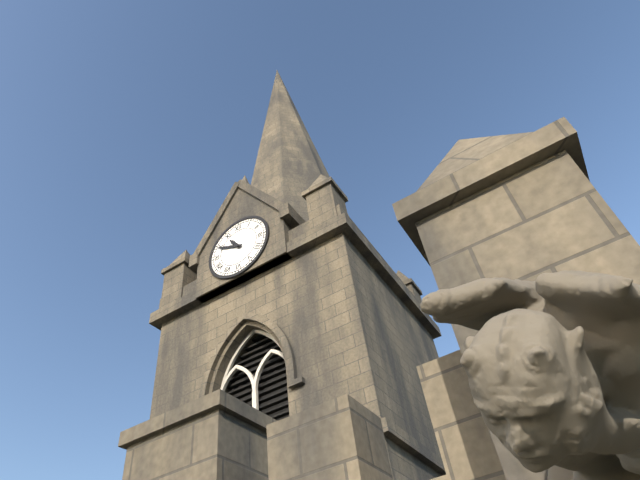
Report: 10:49
